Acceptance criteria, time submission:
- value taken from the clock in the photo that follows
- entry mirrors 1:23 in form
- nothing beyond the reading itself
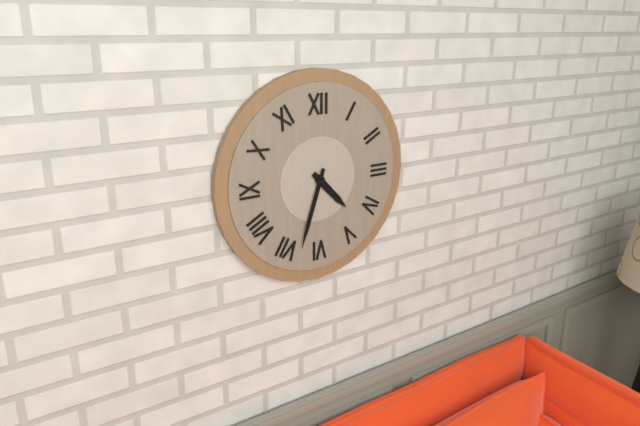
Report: 4:33
